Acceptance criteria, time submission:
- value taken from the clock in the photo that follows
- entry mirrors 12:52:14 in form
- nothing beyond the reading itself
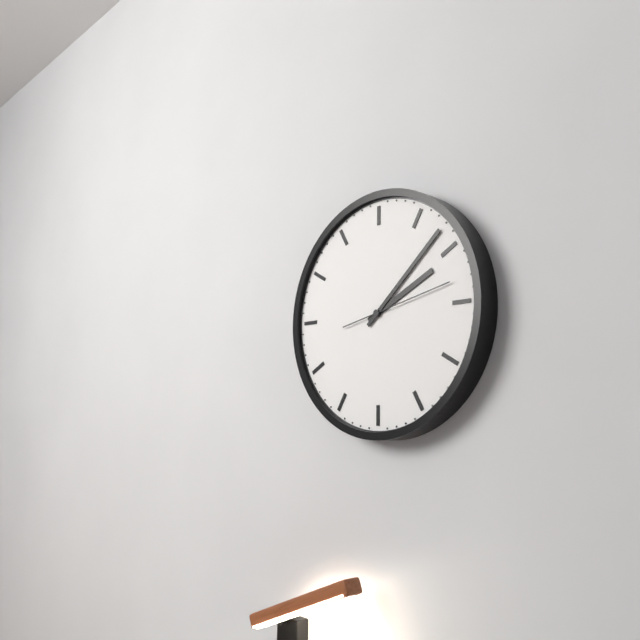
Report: 2:08:13
